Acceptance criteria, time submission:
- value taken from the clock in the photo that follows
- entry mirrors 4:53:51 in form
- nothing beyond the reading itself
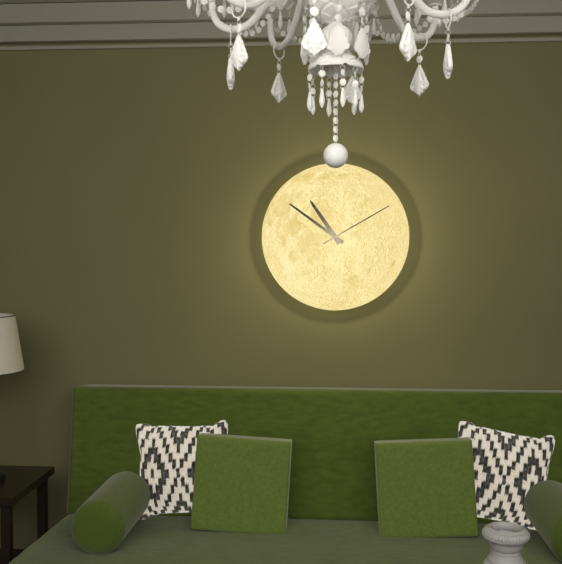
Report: 10:51:10
